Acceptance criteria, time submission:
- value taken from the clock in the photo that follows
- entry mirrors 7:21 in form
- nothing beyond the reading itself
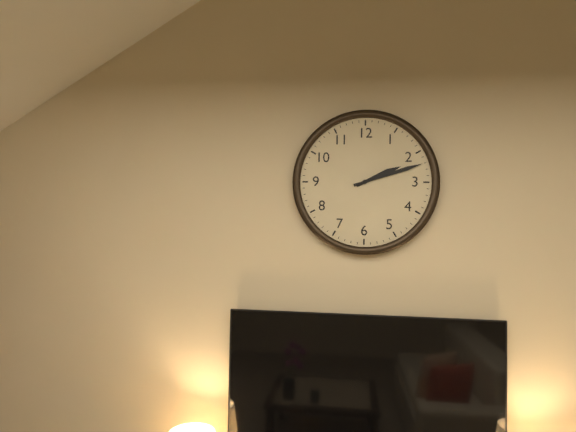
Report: 2:12
